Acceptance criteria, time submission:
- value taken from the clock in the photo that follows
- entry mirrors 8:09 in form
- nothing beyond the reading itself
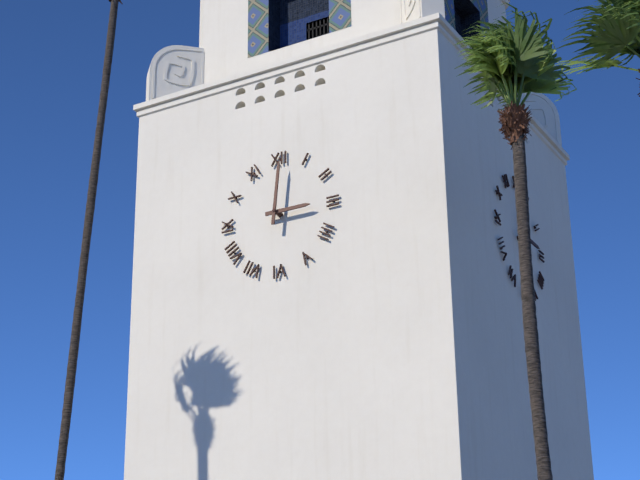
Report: 3:01
